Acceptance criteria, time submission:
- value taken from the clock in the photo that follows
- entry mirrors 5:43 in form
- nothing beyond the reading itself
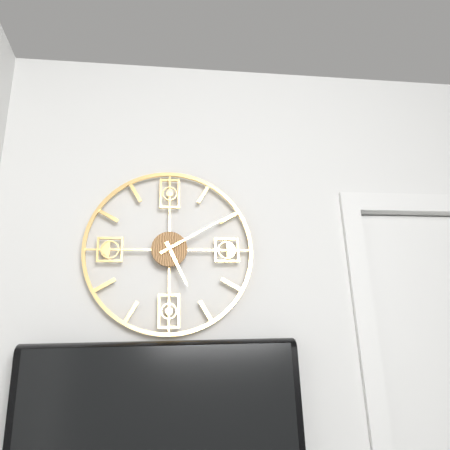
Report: 5:10
